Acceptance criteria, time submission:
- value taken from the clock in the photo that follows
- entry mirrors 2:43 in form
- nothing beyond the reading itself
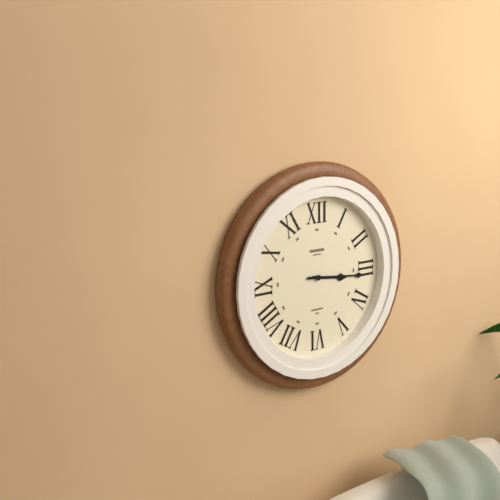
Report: 3:16
